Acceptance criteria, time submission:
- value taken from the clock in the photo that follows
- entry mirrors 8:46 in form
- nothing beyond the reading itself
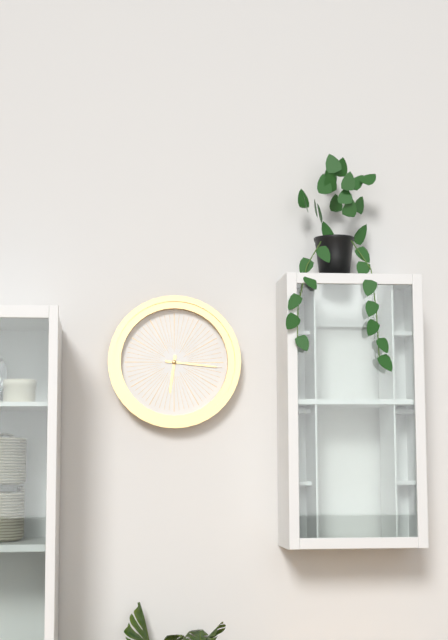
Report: 6:16
